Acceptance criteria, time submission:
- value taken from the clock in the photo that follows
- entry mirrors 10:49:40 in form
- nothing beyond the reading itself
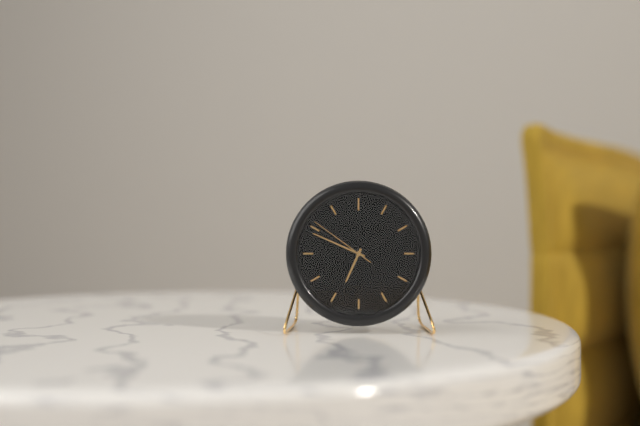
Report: 6:49:51
